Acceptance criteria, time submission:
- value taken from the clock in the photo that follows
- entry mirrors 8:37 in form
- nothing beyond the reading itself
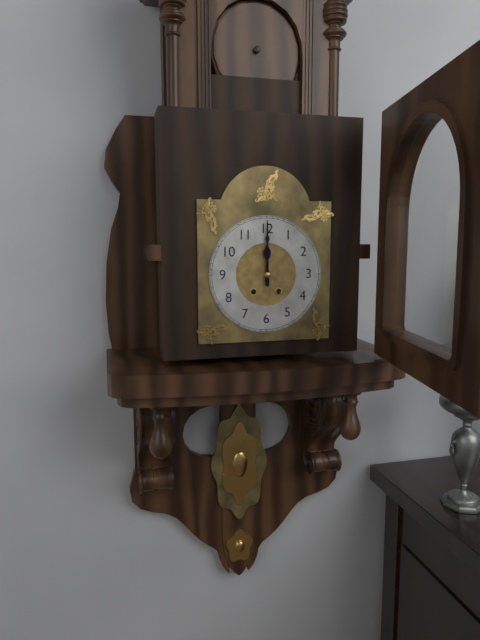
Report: 12:00
